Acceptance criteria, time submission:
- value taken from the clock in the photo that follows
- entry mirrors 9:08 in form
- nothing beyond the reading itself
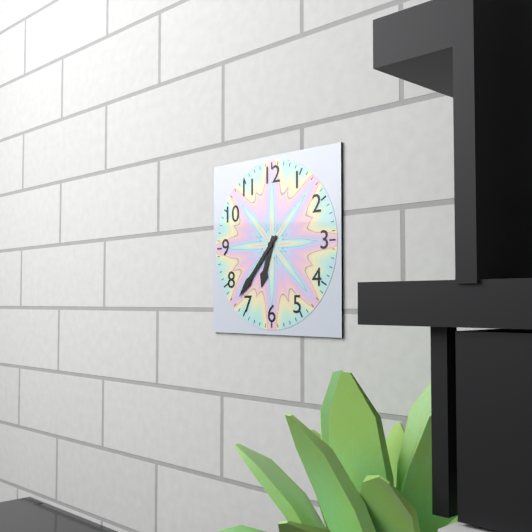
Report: 6:37
